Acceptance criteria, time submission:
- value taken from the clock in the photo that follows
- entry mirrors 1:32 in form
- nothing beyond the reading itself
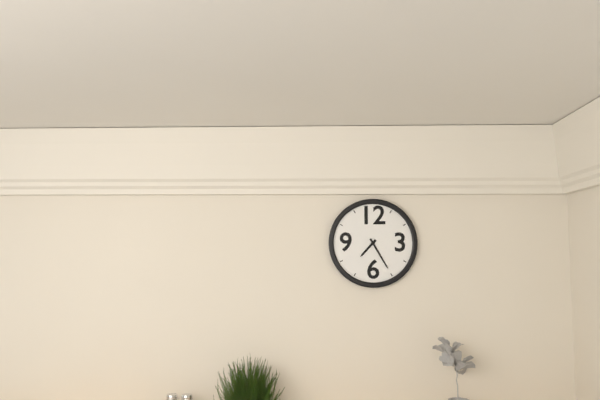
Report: 7:25
